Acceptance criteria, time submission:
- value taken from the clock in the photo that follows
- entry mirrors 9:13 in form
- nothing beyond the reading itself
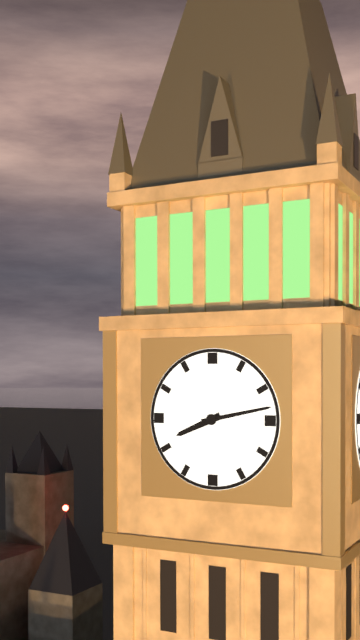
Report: 8:13
